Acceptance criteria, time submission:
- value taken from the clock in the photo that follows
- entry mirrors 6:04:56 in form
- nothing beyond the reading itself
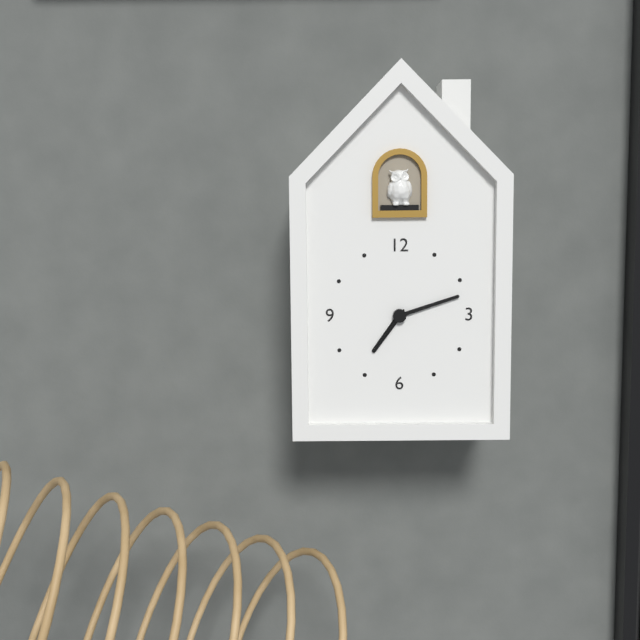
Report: 7:12:36
